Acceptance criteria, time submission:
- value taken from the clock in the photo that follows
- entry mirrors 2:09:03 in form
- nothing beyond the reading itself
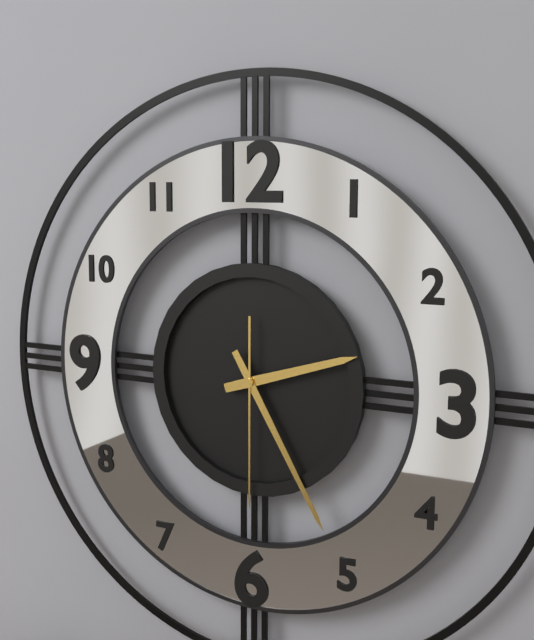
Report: 2:25:30
